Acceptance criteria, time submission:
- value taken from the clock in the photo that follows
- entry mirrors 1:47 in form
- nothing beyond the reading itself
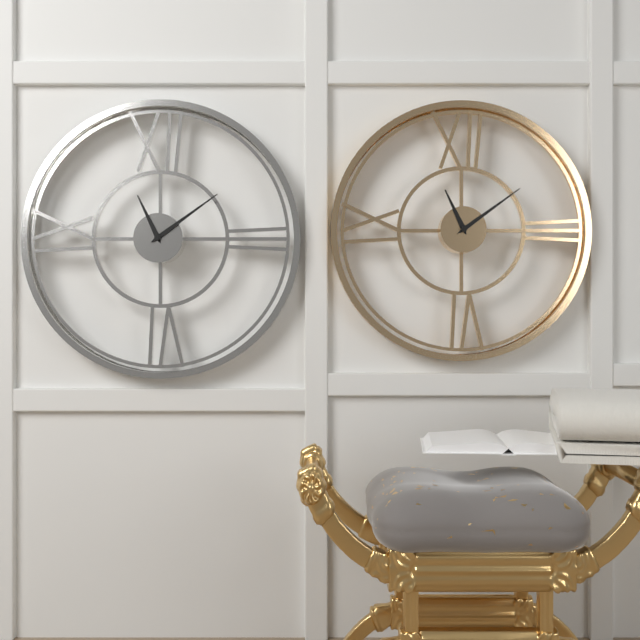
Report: 11:09
